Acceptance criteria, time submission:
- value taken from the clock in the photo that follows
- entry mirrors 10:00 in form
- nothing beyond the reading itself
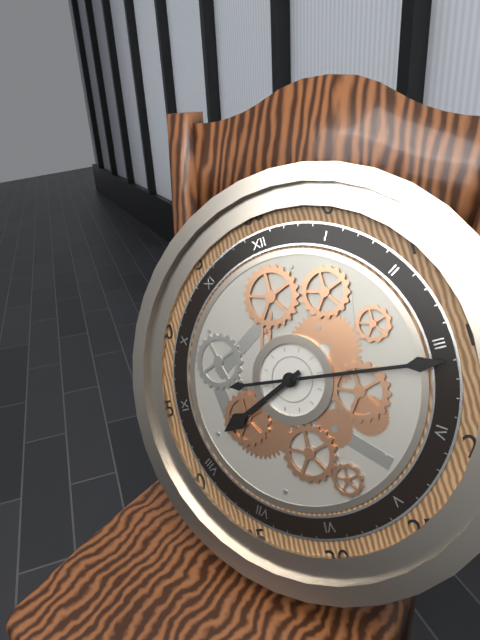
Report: 8:16
